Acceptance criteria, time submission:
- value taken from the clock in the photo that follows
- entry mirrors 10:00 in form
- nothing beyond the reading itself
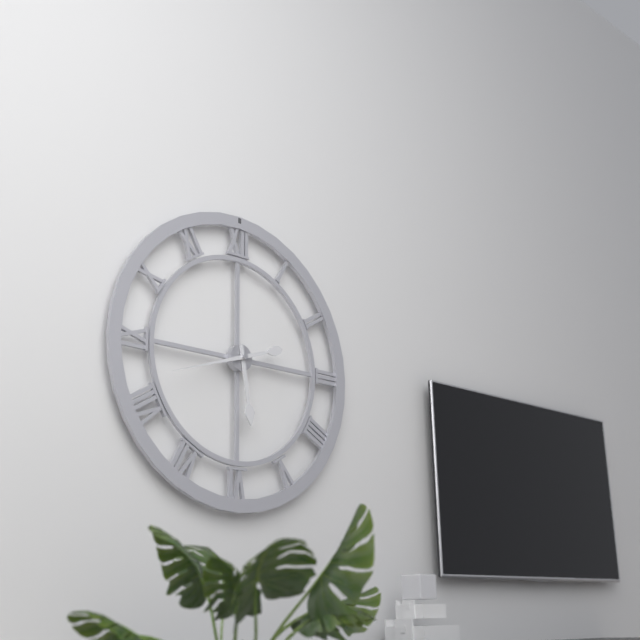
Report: 5:42
